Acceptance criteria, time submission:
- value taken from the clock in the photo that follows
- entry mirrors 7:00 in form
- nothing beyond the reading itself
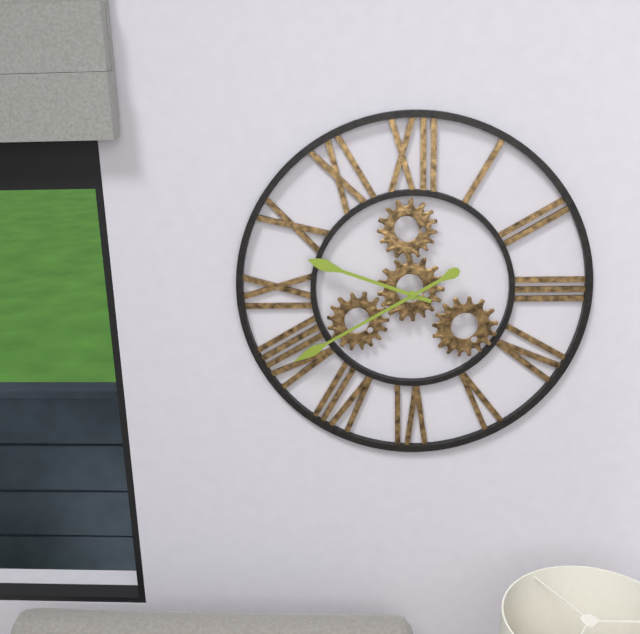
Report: 9:40
